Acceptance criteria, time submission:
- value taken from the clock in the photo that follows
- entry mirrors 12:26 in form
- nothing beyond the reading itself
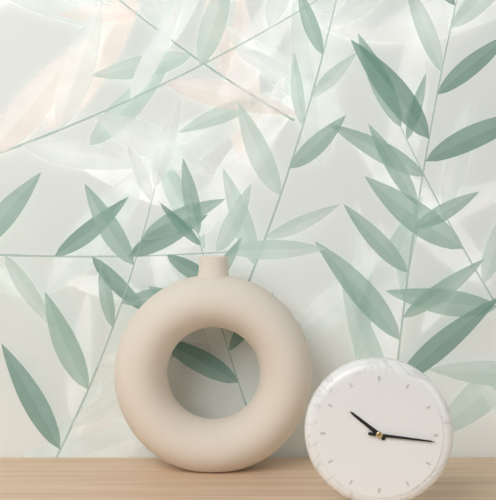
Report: 10:16
